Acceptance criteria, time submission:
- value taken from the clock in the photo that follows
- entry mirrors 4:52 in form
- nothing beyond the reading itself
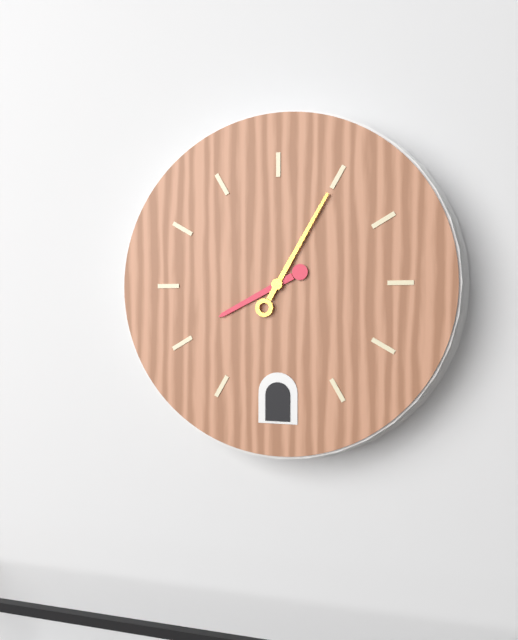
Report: 8:05
